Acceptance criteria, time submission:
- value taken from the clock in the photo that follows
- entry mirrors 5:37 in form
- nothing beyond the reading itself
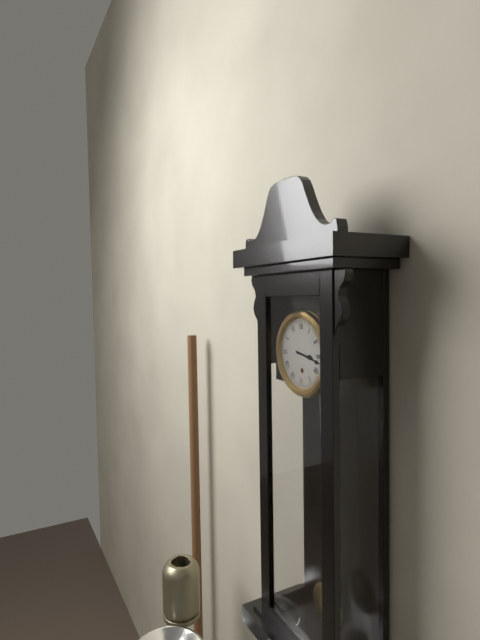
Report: 3:17
